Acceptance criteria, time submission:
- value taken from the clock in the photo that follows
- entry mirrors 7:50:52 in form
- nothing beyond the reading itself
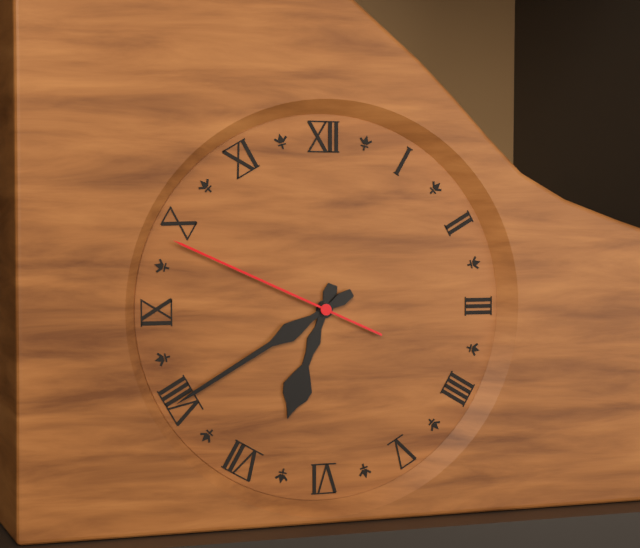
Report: 6:40:49
